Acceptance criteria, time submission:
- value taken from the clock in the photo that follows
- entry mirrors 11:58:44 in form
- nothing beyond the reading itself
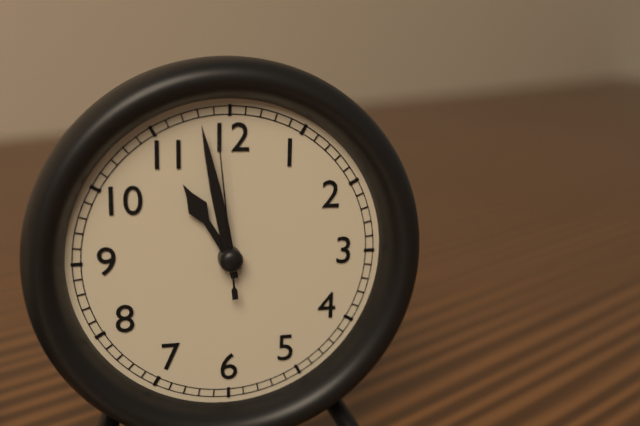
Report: 10:58:59
